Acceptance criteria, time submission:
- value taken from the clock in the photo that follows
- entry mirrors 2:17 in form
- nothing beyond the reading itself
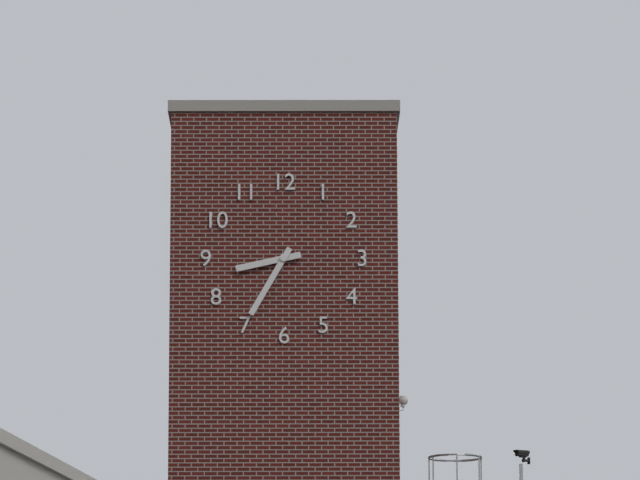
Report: 8:35
